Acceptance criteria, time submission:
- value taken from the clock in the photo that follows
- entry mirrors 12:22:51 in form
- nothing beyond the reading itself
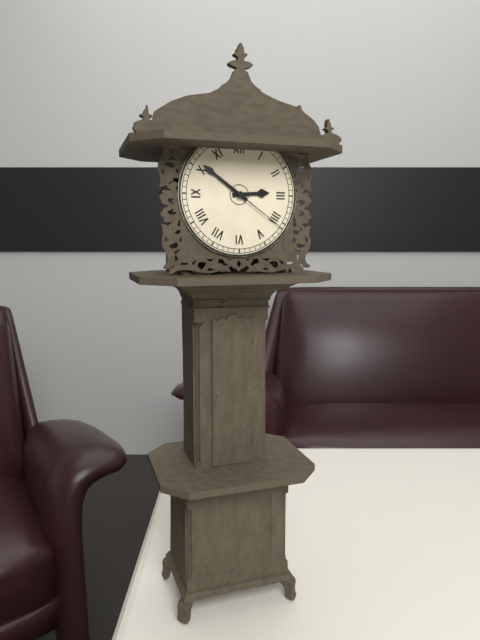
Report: 2:51:21
